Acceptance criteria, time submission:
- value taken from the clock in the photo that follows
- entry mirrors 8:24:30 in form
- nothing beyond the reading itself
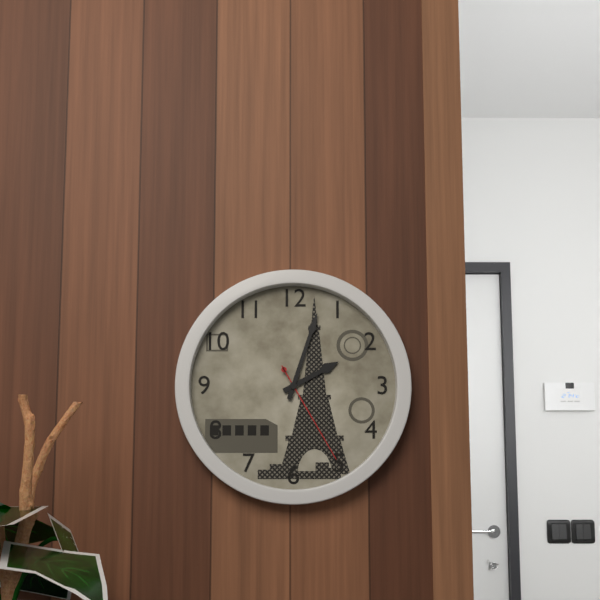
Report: 2:03:25
